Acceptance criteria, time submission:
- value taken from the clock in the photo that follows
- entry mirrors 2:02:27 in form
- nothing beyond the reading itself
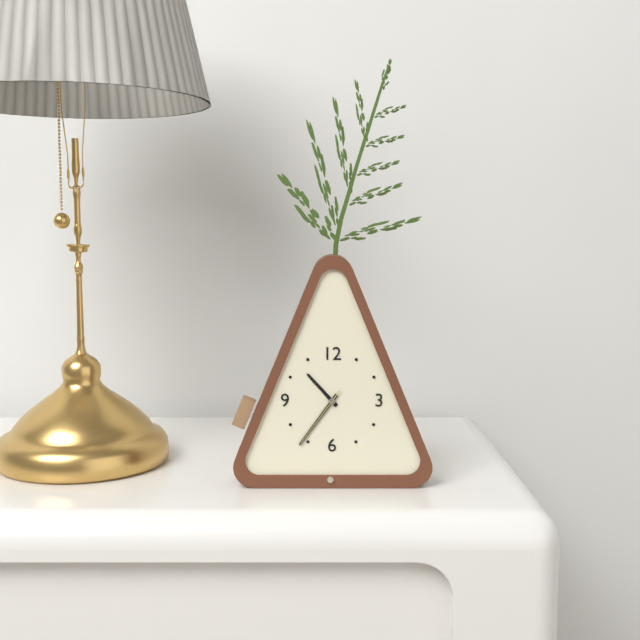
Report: 10:36:36
